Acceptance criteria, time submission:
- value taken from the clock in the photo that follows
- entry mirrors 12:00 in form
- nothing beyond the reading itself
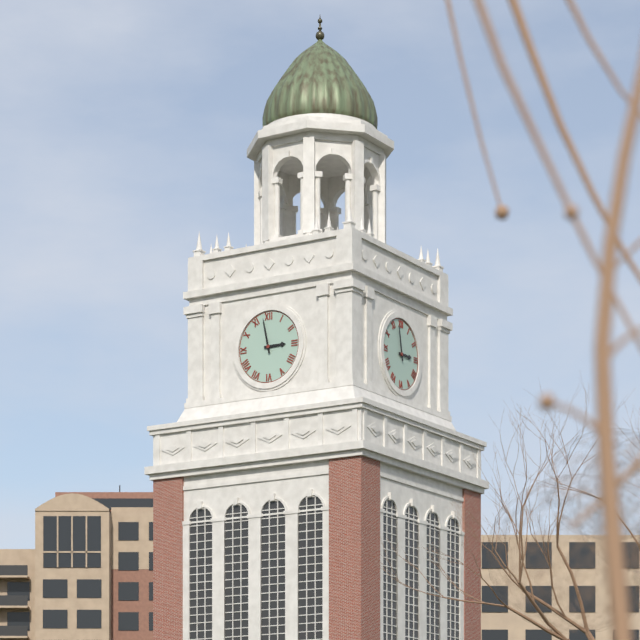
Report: 2:58
